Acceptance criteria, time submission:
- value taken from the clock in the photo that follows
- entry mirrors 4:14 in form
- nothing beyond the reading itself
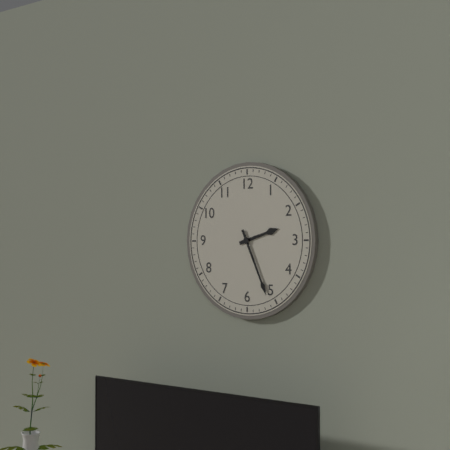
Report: 2:26
